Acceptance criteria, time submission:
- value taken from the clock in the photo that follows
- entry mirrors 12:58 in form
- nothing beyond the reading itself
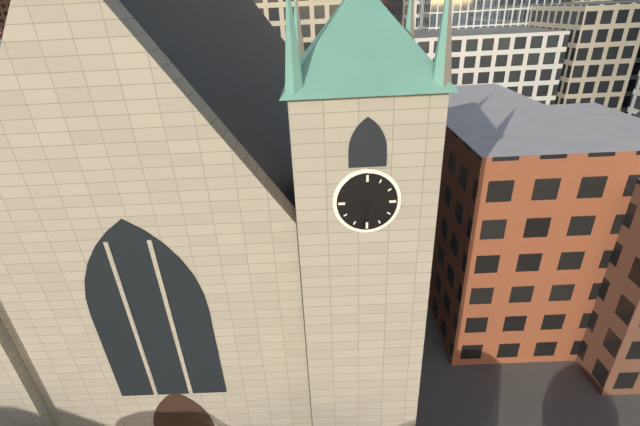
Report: 8:32
